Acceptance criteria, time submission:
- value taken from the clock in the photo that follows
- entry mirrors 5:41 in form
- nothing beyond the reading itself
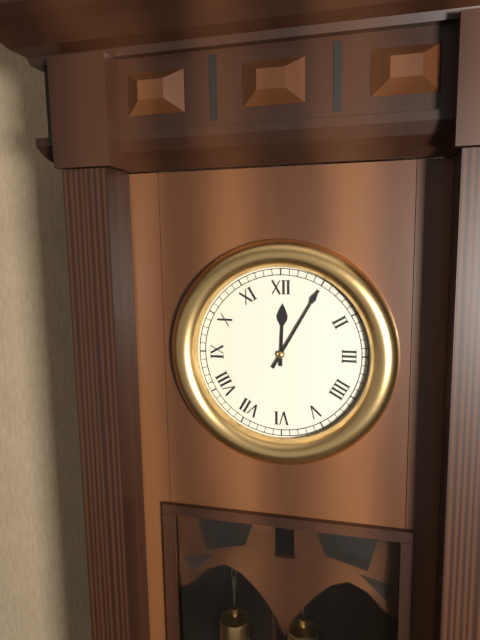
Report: 12:05
